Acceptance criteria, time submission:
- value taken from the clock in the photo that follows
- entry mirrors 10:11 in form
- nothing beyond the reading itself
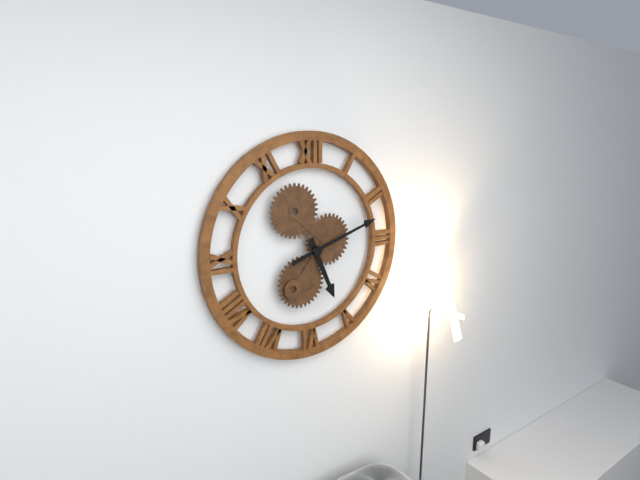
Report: 5:12
